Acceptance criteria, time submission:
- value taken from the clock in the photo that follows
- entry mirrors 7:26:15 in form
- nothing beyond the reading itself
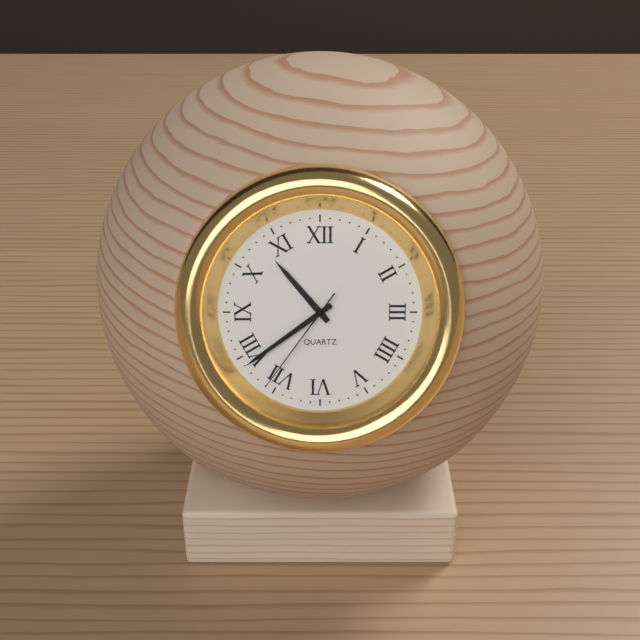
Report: 10:39:36
